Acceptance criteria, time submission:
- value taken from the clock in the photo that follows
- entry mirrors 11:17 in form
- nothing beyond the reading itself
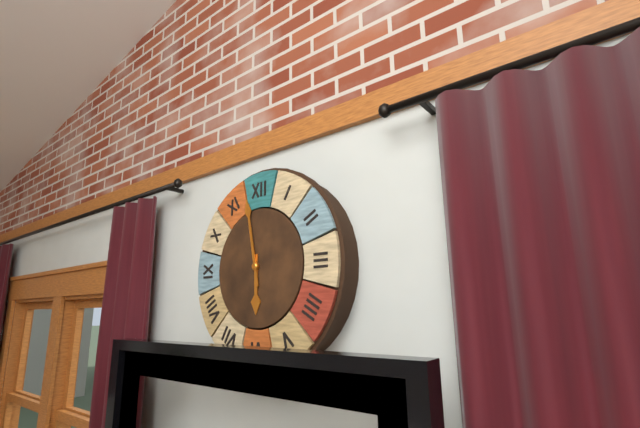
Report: 5:58
